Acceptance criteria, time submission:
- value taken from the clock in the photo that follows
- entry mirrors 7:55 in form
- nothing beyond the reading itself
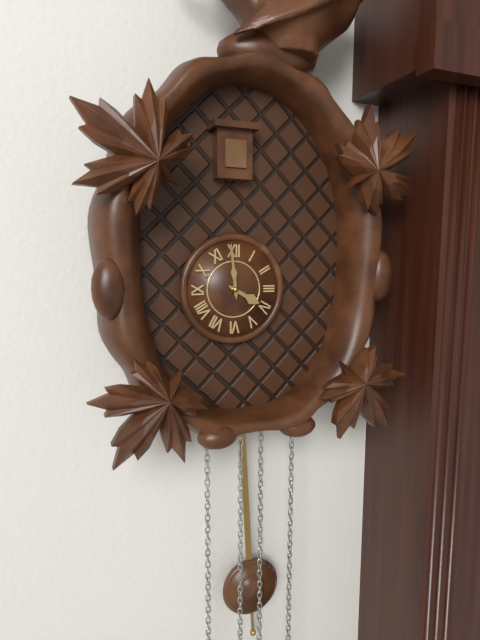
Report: 3:59
